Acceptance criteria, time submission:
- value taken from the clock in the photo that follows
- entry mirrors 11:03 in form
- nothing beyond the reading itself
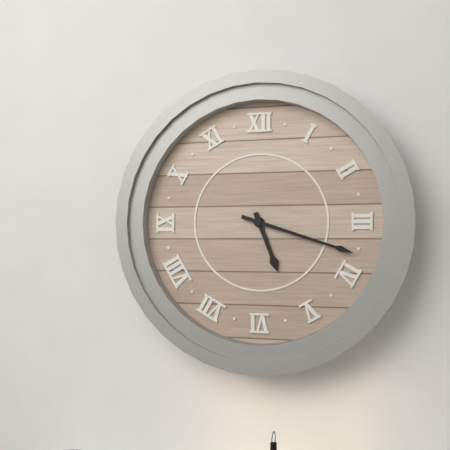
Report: 5:18
